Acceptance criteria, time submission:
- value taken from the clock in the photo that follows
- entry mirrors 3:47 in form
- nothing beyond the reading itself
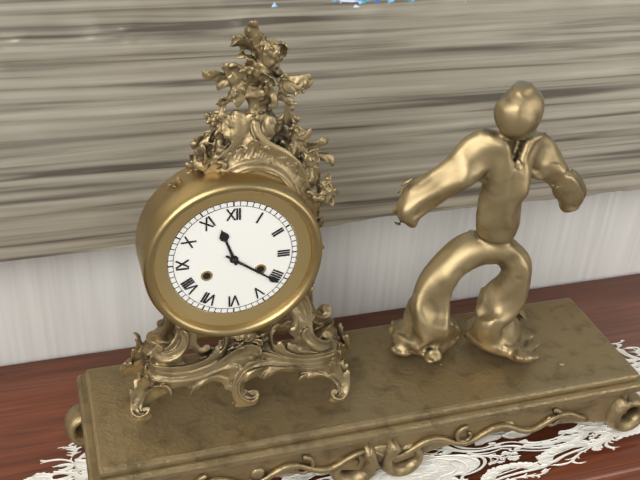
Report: 11:21
